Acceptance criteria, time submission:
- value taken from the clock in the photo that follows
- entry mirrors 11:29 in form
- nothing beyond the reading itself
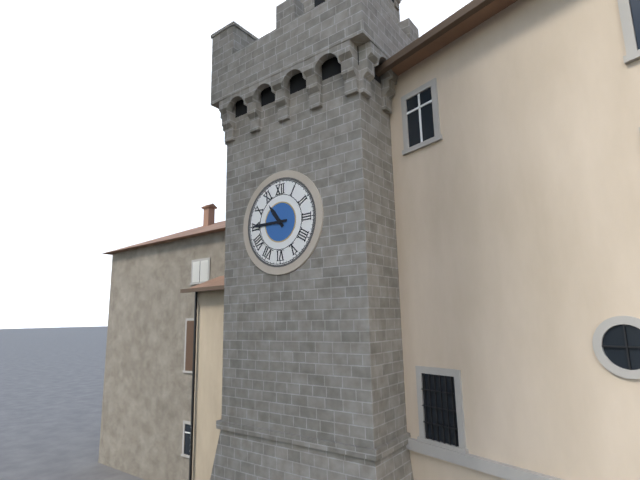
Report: 10:45
